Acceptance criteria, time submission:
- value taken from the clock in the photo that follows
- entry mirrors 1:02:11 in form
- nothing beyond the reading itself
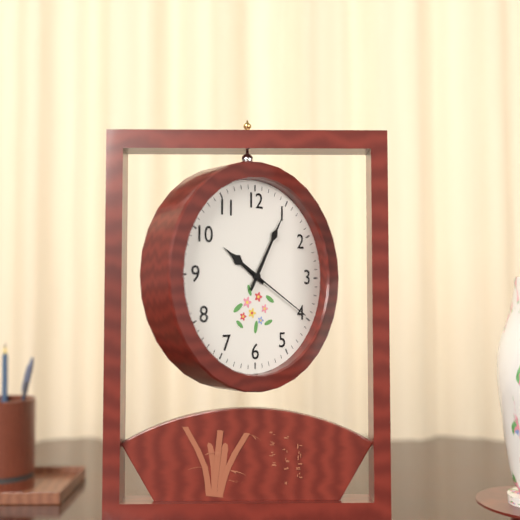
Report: 10:05:20
